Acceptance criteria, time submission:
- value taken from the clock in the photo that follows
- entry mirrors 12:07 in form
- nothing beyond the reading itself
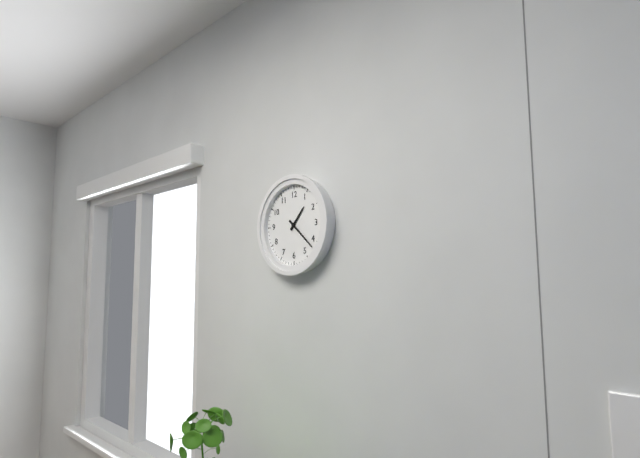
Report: 1:22
